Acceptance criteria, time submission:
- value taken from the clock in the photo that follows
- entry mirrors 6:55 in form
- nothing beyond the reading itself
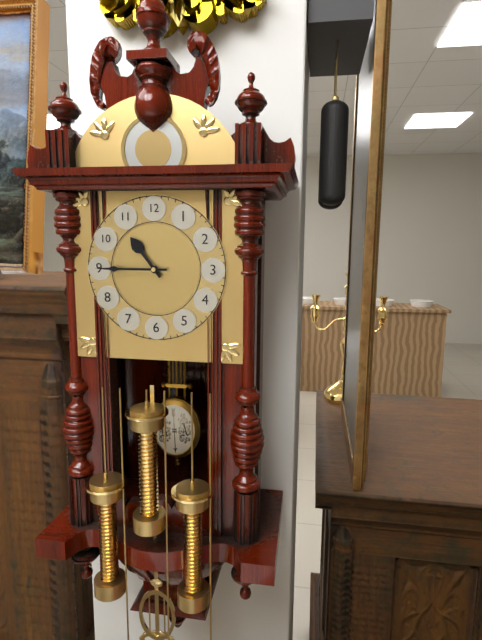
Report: 10:45
